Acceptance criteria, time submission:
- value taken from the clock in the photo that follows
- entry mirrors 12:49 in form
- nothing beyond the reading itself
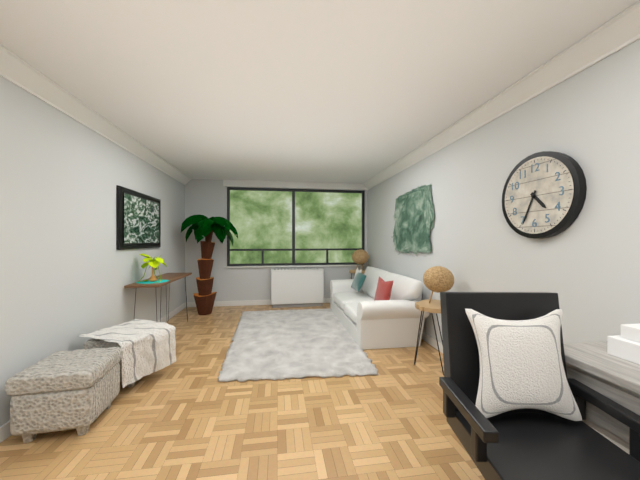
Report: 4:34
